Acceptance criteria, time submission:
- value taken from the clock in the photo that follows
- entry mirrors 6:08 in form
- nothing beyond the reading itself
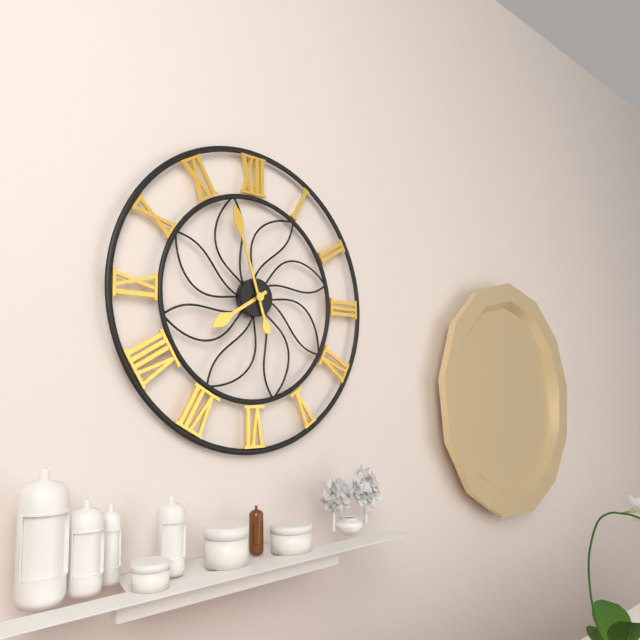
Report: 7:57
